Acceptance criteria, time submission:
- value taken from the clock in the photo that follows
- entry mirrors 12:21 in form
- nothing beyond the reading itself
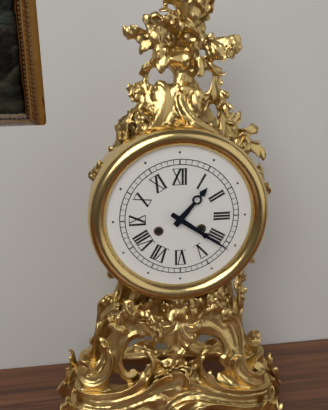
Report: 1:21
